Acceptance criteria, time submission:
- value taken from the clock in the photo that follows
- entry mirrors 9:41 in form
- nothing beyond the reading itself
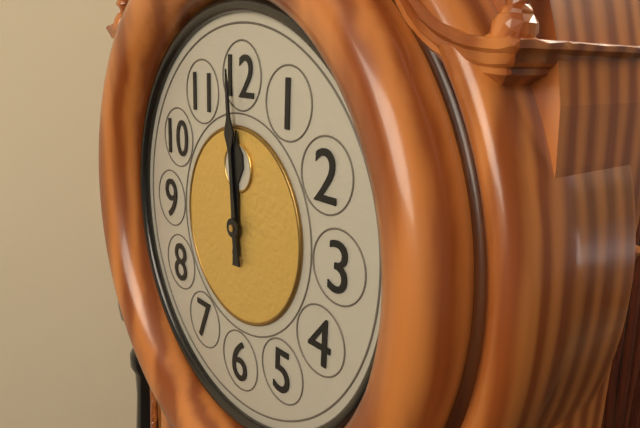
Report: 11:59
